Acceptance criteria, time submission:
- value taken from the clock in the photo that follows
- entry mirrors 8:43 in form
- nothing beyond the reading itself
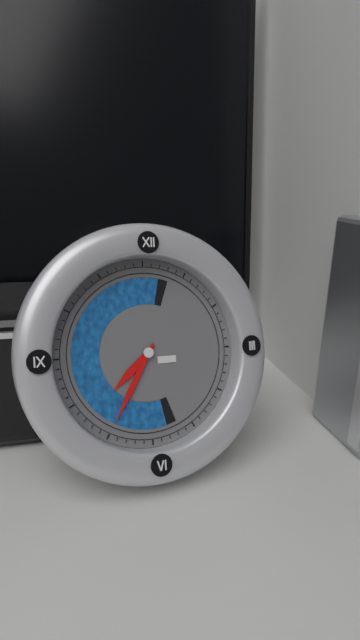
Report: 7:35
